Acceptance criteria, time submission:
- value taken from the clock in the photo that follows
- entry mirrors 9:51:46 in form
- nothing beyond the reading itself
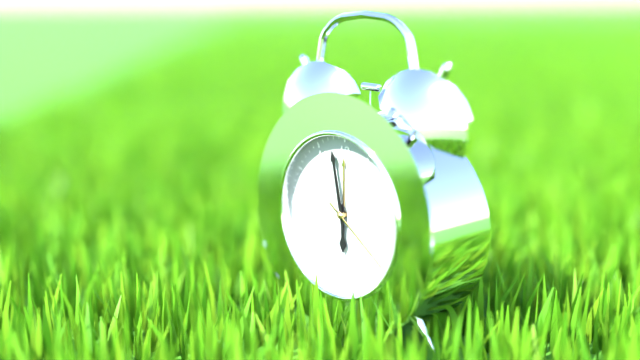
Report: 5:58:21
